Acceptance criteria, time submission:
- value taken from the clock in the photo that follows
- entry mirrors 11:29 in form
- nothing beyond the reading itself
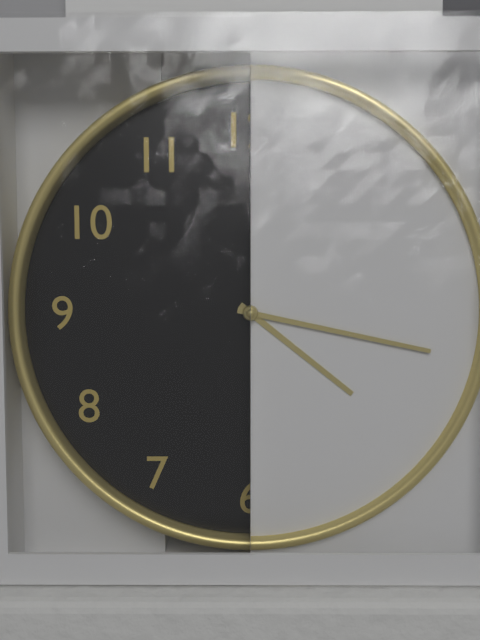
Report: 4:17
